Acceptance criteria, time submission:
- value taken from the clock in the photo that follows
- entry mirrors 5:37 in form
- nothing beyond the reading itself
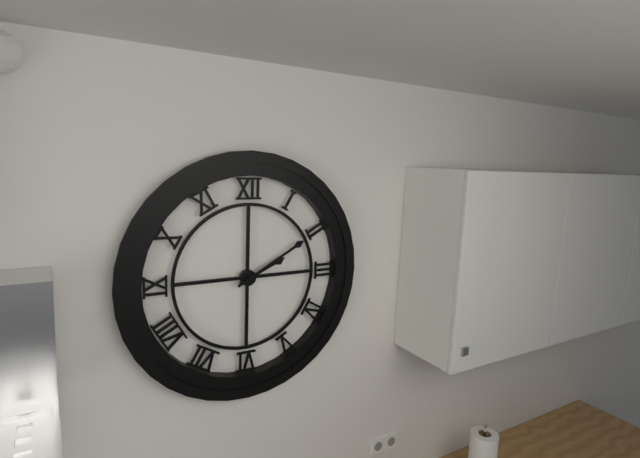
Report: 2:10
